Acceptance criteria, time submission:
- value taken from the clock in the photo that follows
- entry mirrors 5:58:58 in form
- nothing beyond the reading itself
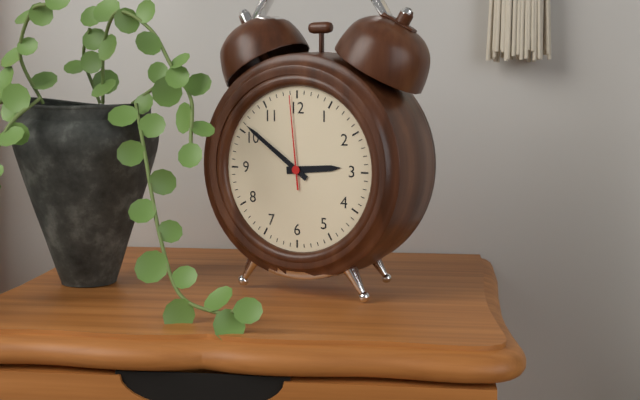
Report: 2:51:59
